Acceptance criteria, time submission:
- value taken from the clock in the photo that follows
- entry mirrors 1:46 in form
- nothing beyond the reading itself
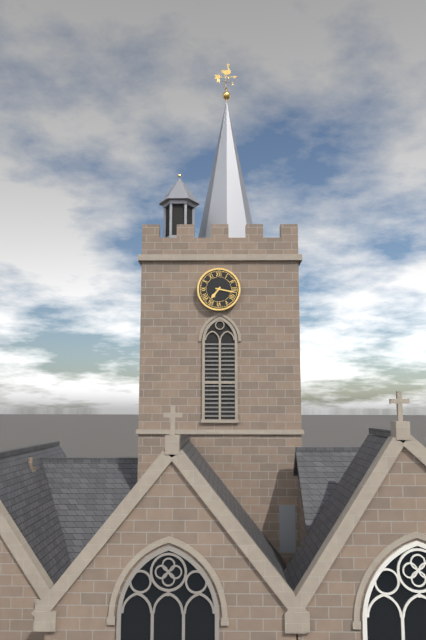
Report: 7:17
